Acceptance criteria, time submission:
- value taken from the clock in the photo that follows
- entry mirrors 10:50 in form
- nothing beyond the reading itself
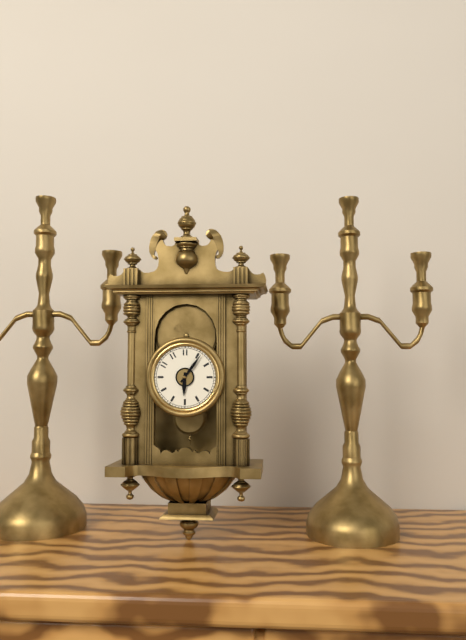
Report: 6:06
